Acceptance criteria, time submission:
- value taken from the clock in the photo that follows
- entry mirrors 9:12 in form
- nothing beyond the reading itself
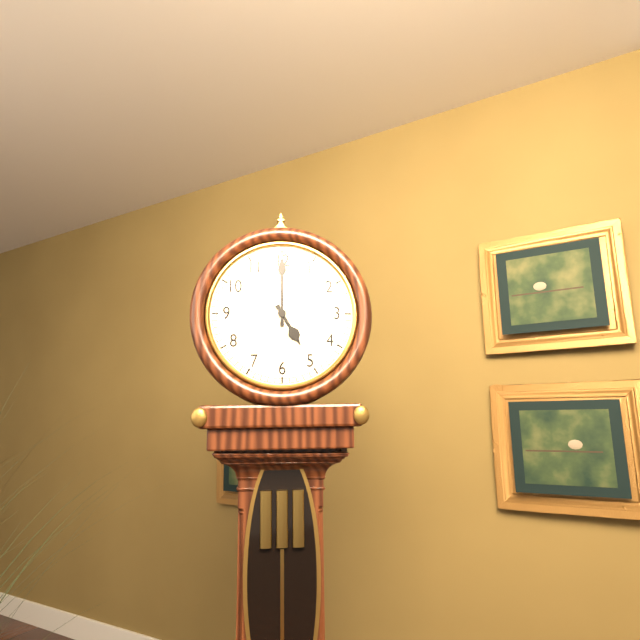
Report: 5:00
